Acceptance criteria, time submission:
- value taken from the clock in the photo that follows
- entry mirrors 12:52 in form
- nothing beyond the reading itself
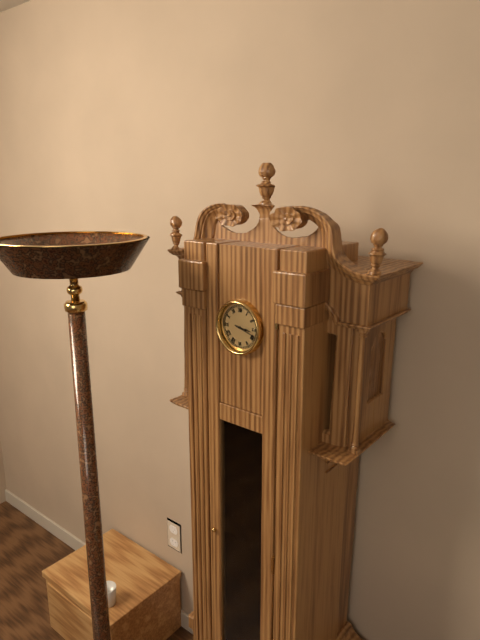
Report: 3:18
